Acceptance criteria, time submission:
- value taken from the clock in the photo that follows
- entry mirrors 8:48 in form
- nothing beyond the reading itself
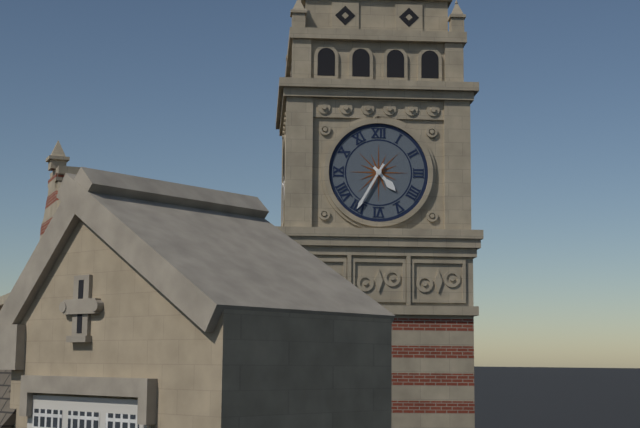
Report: 4:35
